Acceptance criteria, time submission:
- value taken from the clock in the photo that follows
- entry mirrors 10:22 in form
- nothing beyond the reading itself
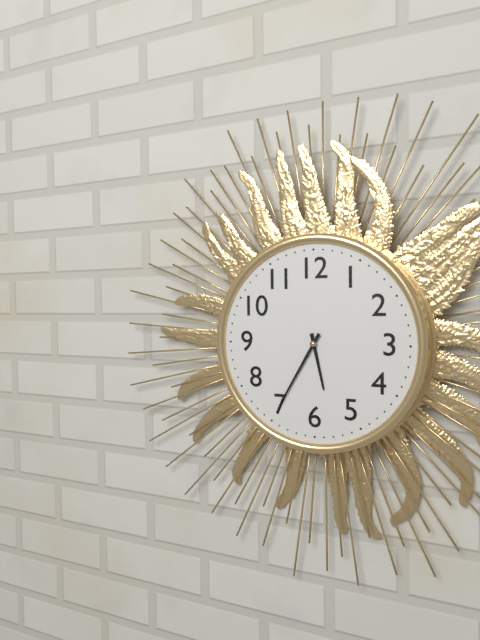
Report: 5:35
